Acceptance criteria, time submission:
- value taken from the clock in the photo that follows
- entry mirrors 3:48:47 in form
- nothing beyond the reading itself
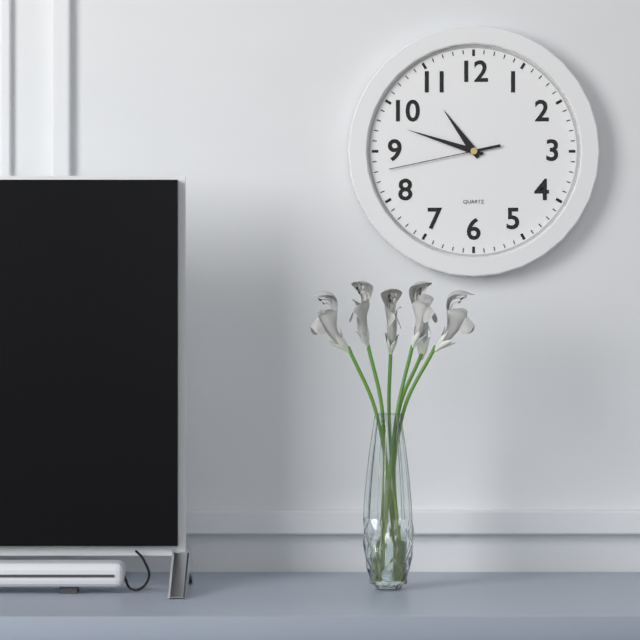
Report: 10:48:43
